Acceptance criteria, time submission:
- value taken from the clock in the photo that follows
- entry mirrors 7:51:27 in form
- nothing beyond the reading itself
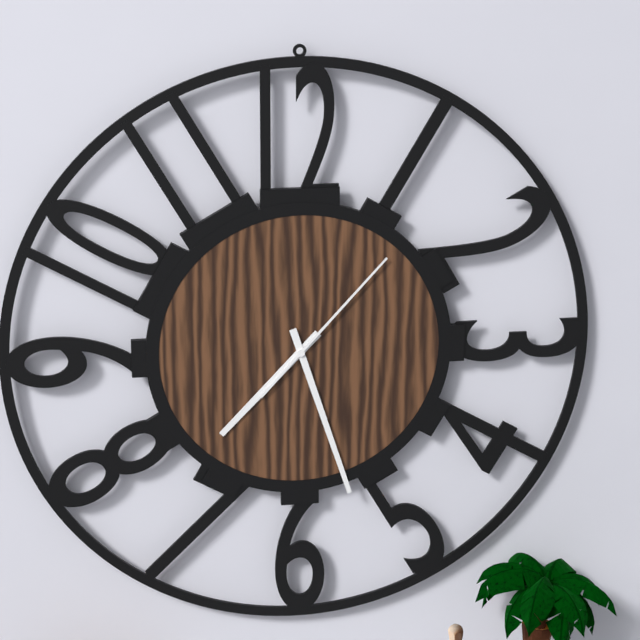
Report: 7:27:07
